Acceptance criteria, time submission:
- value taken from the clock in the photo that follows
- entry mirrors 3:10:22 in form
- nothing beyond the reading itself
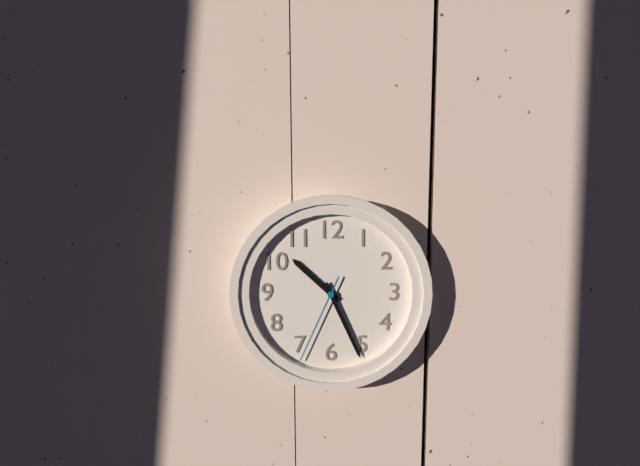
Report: 10:26:34
